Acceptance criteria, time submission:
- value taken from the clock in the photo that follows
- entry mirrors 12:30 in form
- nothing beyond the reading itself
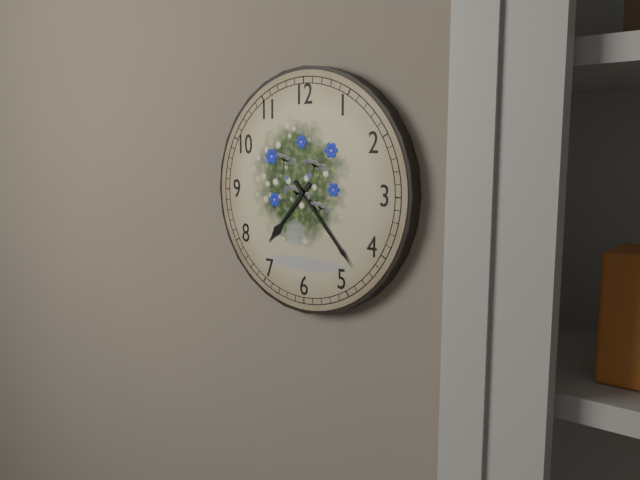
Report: 7:23
